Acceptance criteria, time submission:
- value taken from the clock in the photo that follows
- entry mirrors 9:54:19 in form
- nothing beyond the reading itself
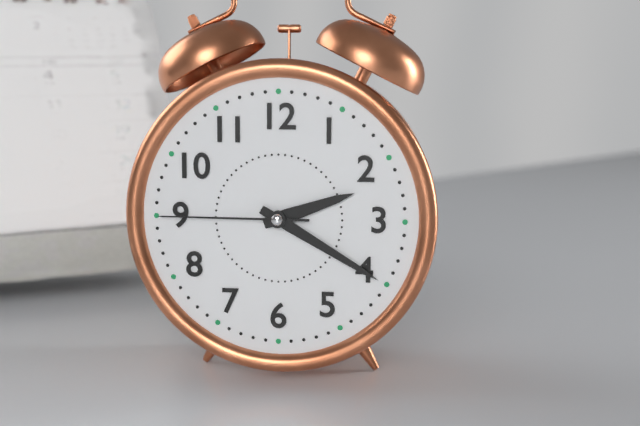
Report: 2:20:45
